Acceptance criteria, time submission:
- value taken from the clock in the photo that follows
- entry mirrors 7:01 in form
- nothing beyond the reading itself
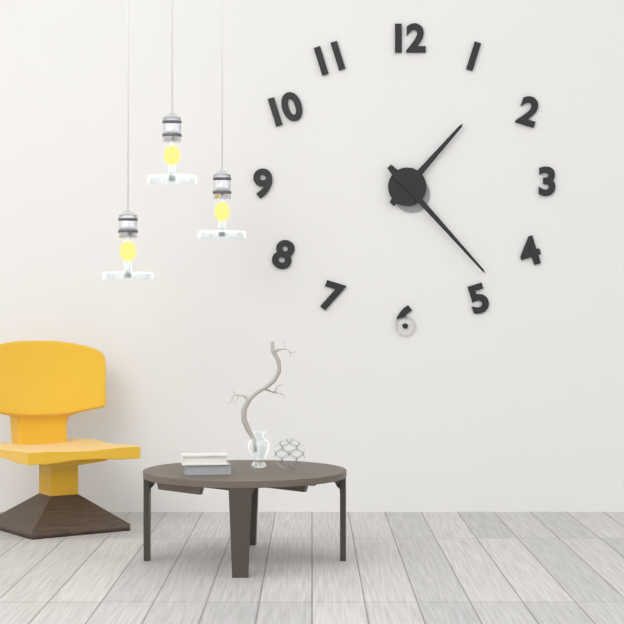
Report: 1:23
